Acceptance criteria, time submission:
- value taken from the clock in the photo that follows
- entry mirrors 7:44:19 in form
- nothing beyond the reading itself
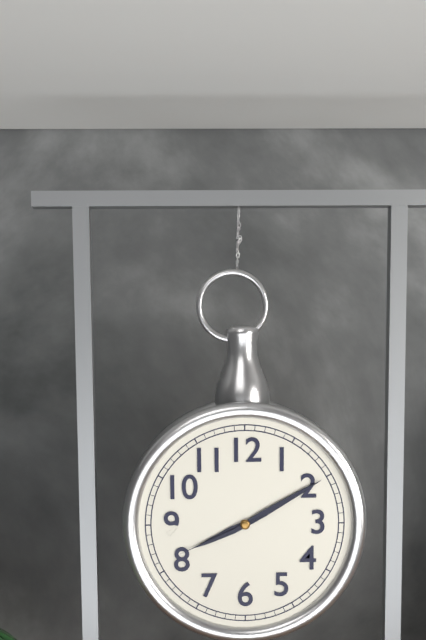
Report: 8:10:41
